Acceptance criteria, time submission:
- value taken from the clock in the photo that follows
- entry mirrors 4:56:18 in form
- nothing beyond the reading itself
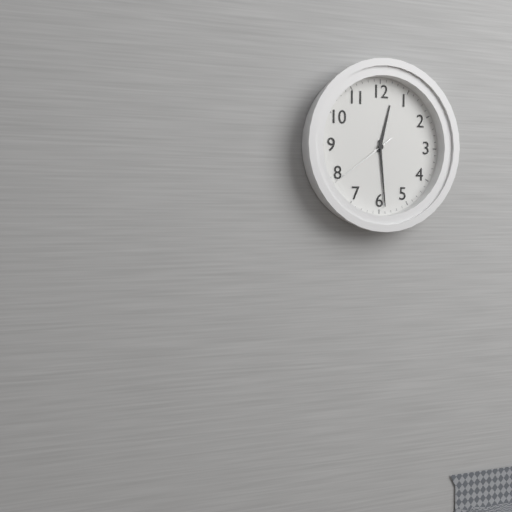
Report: 12:29:39
